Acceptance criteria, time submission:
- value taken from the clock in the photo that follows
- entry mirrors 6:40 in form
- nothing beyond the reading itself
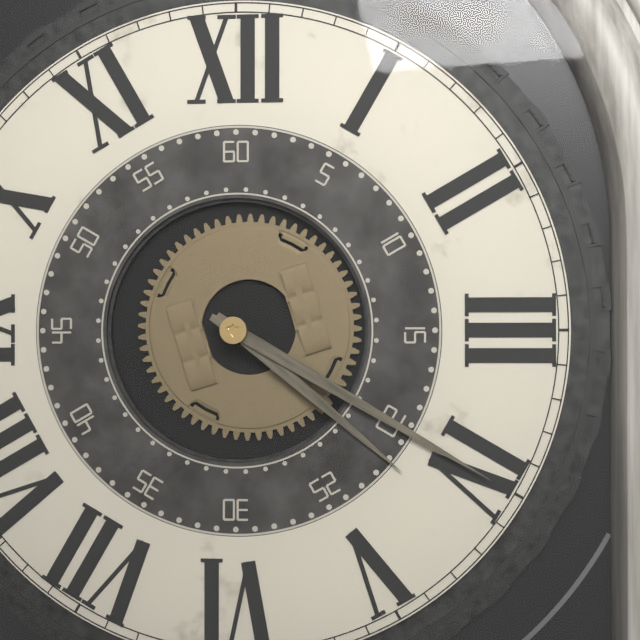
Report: 4:20
